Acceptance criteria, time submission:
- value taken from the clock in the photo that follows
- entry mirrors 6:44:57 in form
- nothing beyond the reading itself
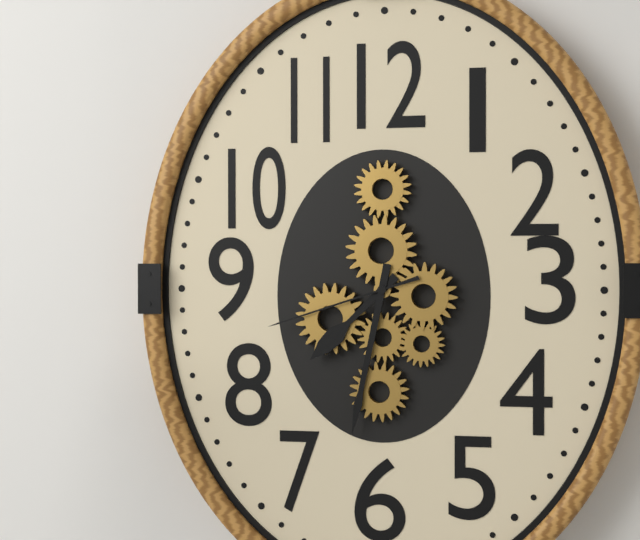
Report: 7:32:42
